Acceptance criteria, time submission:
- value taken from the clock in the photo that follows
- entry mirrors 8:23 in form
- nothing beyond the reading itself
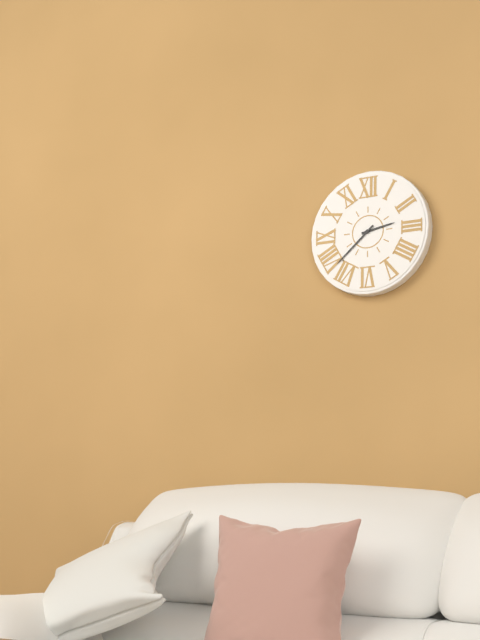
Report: 2:38
